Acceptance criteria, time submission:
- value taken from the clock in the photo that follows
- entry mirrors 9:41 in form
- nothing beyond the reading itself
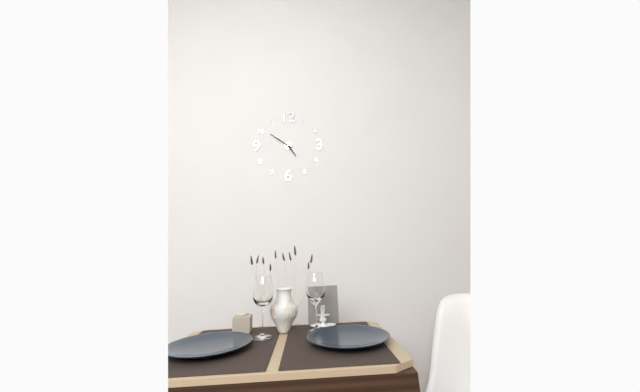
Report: 4:51
